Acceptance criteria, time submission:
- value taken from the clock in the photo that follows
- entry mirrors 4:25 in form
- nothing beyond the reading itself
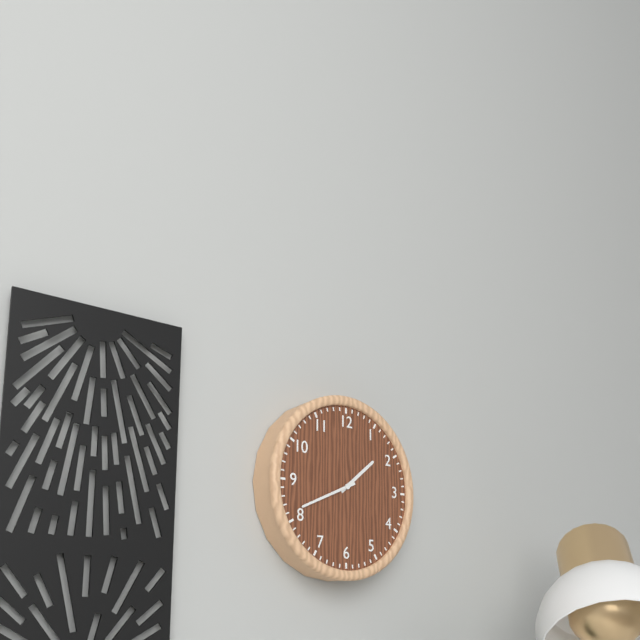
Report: 1:41
